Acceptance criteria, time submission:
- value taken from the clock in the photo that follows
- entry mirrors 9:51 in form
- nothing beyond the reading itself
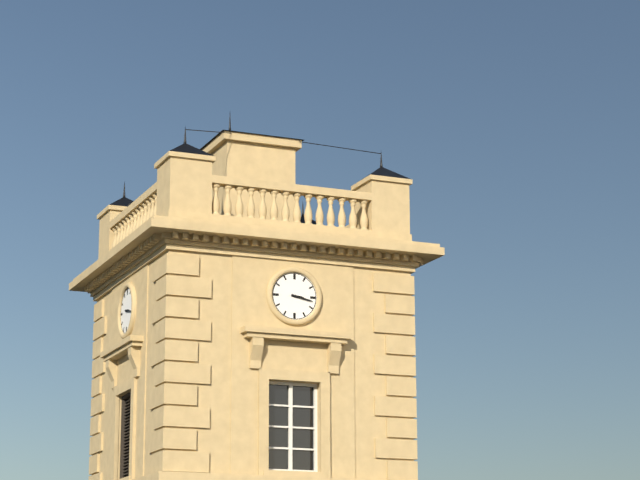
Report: 3:17
